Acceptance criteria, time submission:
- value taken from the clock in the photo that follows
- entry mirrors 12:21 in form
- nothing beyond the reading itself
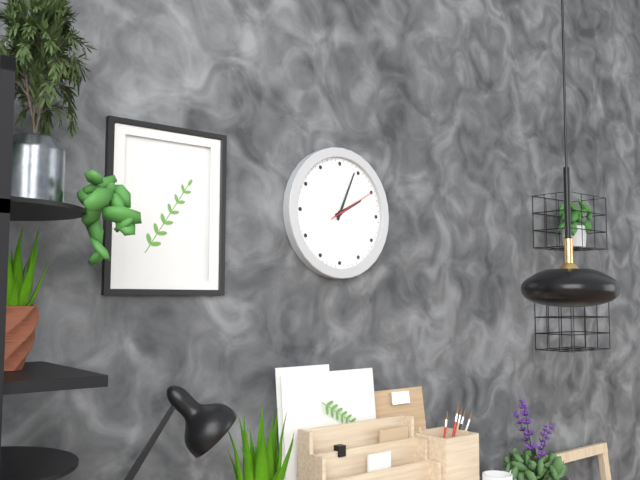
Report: 2:04
